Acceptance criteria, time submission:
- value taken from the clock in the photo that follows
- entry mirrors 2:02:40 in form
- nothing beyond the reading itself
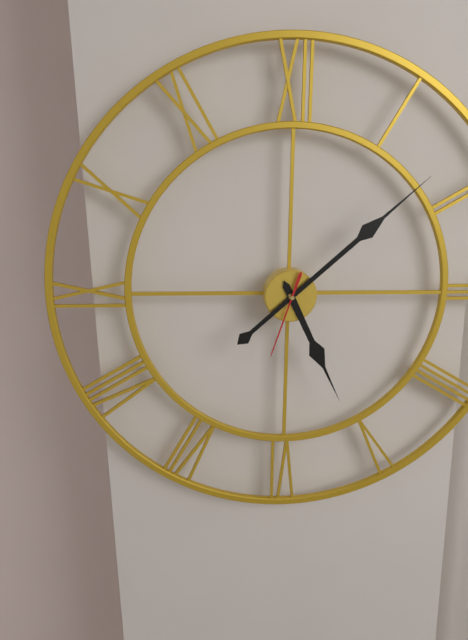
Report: 5:08:33
